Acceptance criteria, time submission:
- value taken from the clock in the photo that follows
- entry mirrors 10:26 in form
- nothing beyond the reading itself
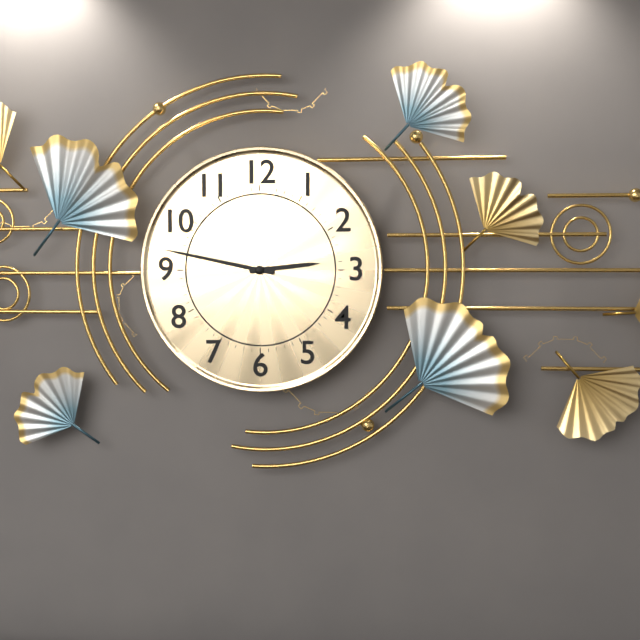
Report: 2:47
